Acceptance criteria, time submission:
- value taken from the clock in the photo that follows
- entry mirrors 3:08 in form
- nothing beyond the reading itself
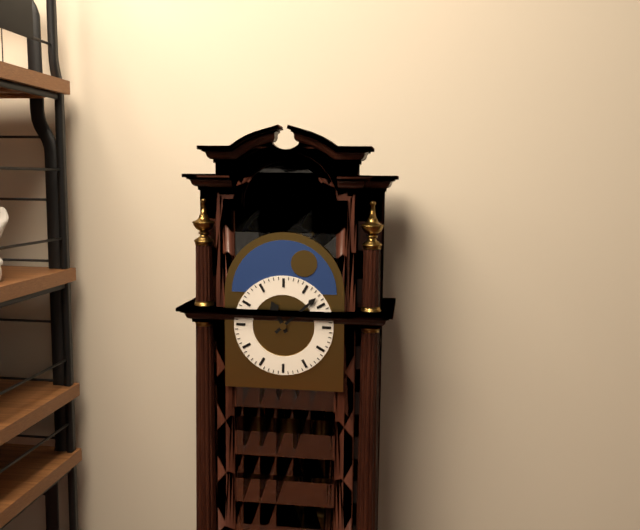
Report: 11:08
